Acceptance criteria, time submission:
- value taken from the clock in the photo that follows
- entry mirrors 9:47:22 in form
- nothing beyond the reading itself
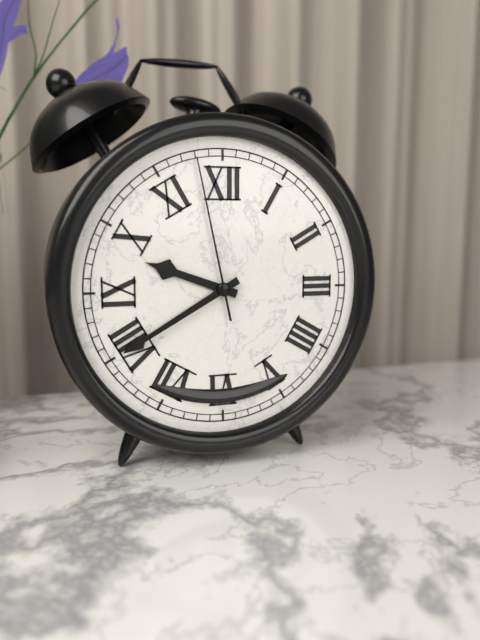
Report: 9:40:58
